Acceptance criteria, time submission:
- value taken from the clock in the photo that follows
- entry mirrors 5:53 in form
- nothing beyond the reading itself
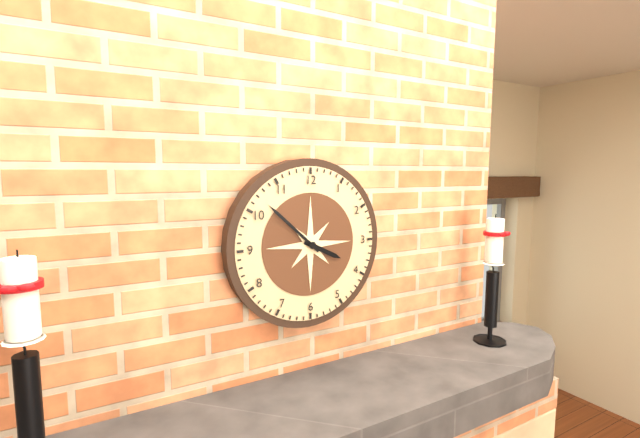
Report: 3:52
